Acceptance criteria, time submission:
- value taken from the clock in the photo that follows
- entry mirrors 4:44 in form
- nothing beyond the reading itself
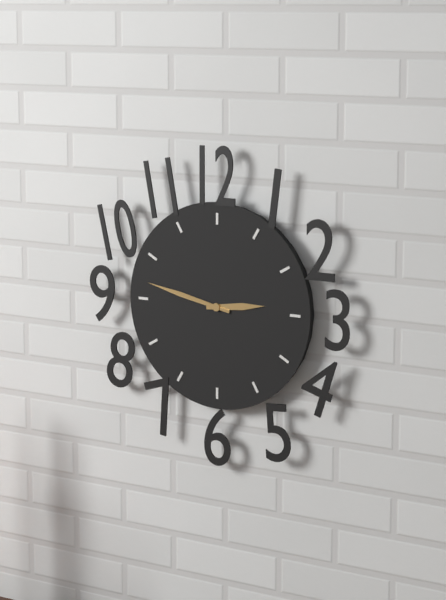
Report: 2:47
